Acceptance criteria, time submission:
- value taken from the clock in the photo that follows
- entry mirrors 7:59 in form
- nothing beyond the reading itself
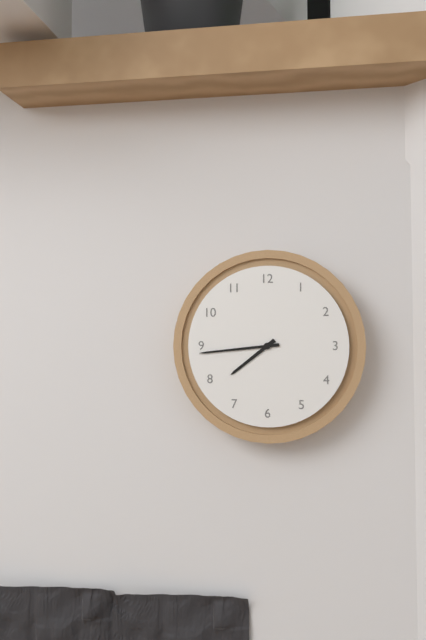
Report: 7:44
